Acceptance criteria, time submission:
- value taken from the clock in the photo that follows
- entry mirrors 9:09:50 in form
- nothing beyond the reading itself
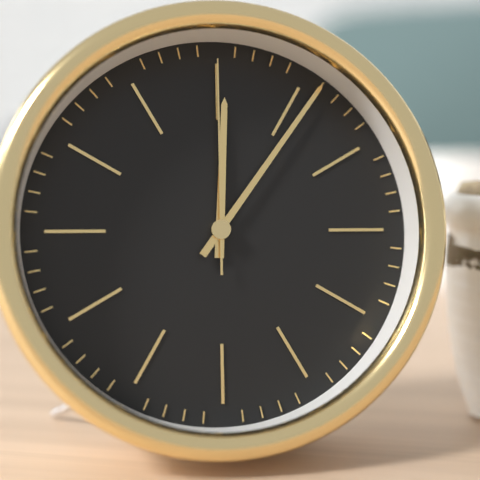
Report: 12:06:00
